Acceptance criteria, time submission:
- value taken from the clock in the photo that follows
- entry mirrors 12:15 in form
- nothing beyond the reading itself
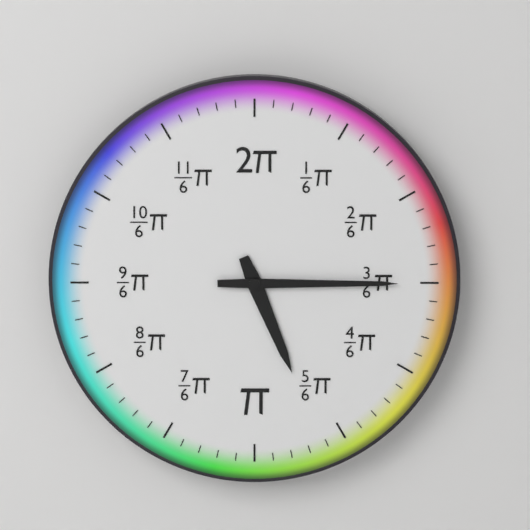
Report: 5:15
